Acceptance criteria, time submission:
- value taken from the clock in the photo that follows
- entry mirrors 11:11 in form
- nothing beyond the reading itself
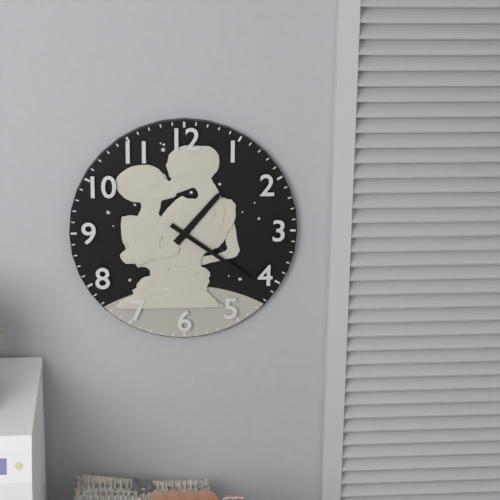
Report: 1:21
